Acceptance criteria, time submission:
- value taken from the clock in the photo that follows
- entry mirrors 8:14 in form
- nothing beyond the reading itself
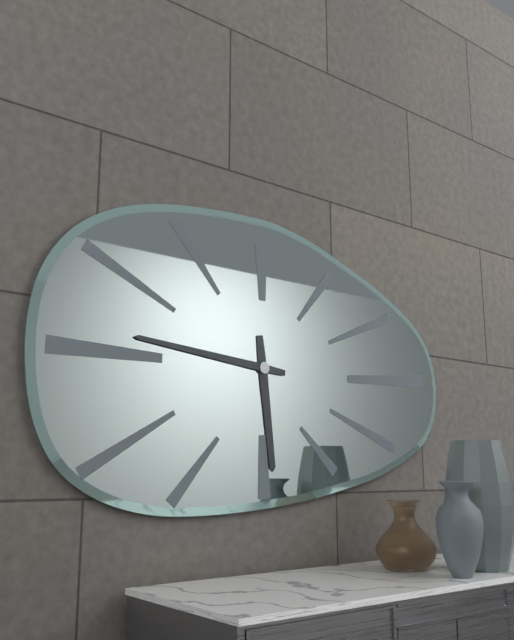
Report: 5:46
